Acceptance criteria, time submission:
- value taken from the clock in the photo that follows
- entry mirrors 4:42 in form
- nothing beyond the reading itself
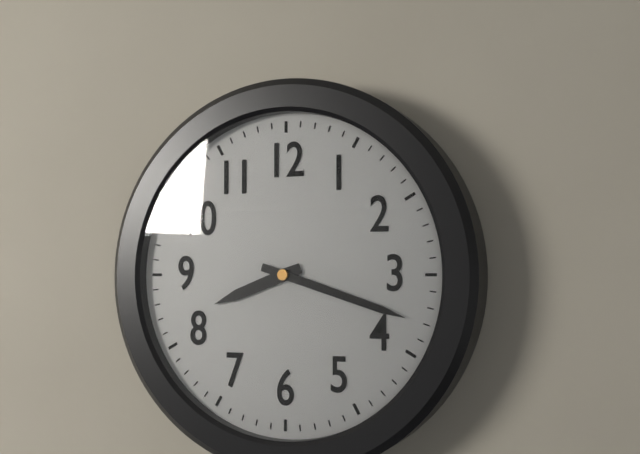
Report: 8:18
